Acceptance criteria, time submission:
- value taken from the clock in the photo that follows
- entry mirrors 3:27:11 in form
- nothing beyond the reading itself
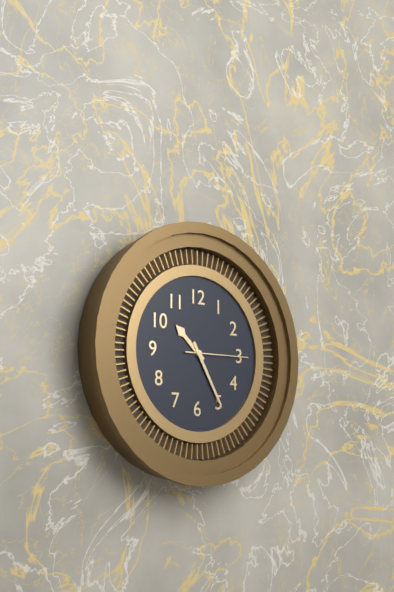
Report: 10:25:15
